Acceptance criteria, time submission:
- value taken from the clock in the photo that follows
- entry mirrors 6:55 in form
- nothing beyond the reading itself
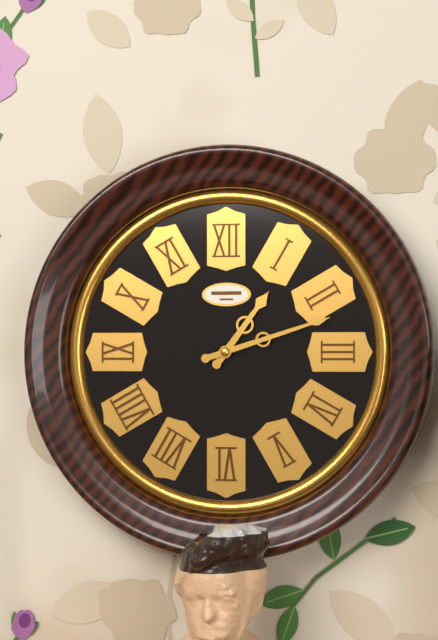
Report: 1:12
